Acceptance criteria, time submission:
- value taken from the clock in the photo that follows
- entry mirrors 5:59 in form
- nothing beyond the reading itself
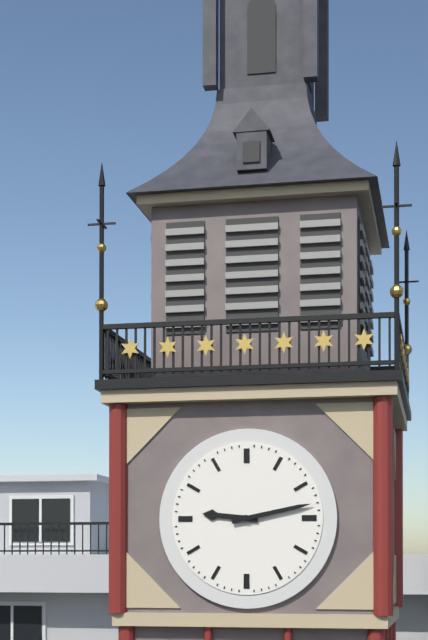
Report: 9:13
